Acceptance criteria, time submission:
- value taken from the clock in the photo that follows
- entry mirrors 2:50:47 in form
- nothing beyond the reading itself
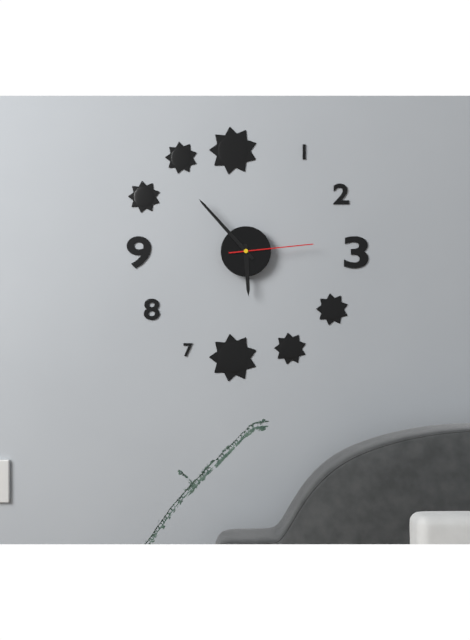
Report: 5:53:14
